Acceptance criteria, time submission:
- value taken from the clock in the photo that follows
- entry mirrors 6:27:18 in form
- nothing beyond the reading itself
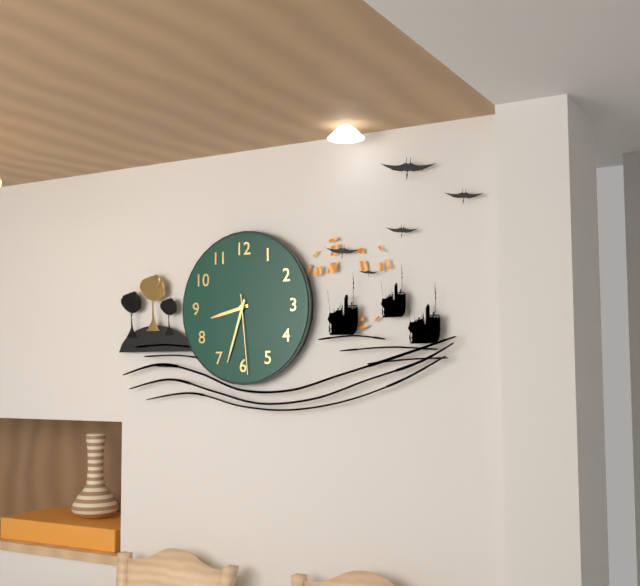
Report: 8:33:29
